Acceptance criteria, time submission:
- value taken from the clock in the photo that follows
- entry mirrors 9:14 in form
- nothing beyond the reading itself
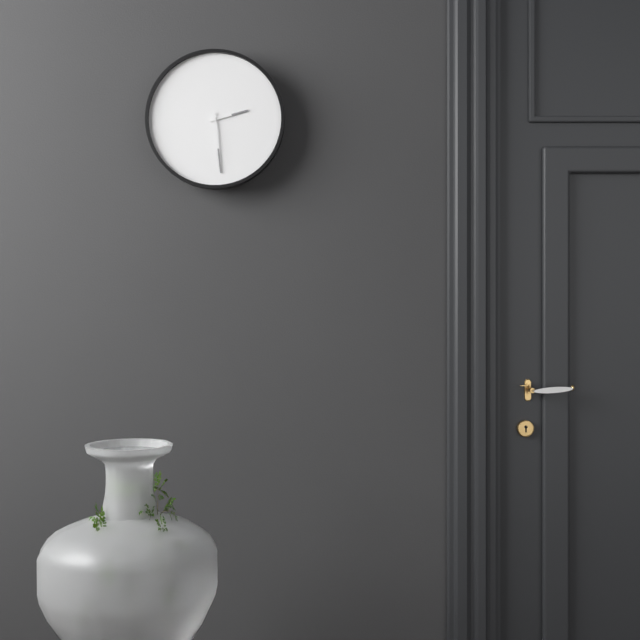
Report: 2:29
